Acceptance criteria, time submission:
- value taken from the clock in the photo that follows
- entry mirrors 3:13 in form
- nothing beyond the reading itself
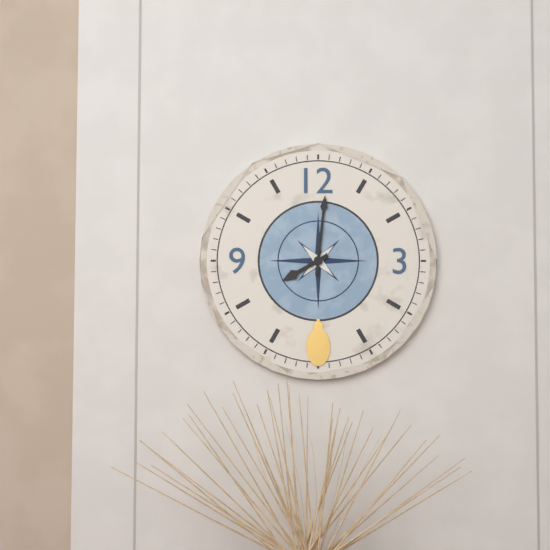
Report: 8:01
